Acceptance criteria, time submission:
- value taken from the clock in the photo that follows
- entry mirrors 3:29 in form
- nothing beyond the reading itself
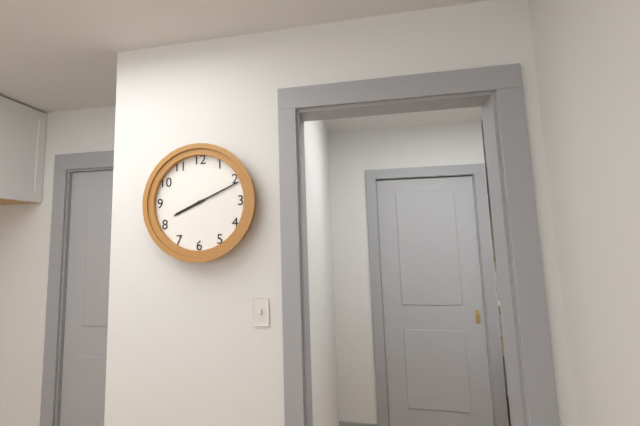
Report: 8:11
